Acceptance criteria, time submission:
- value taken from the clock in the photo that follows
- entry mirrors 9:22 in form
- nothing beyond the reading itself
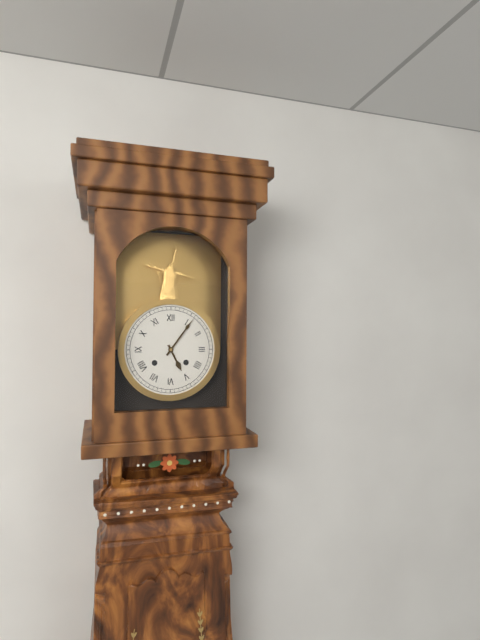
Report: 5:06
